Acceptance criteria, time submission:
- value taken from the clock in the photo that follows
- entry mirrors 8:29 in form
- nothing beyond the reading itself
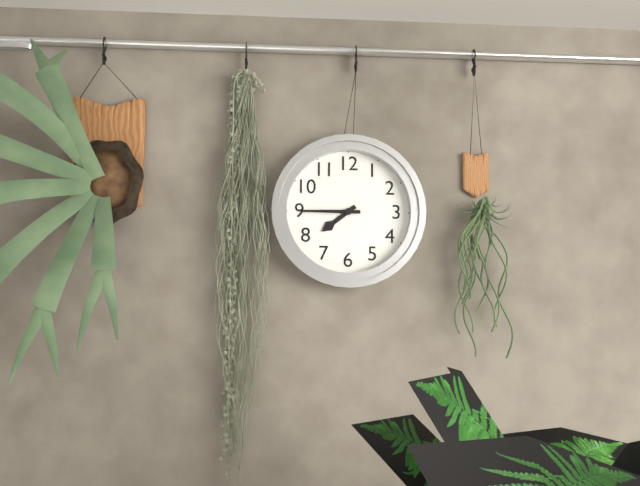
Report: 7:45
